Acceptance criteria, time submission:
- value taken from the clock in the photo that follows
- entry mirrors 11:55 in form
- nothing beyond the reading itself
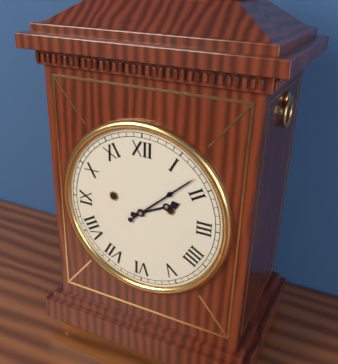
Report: 2:08
